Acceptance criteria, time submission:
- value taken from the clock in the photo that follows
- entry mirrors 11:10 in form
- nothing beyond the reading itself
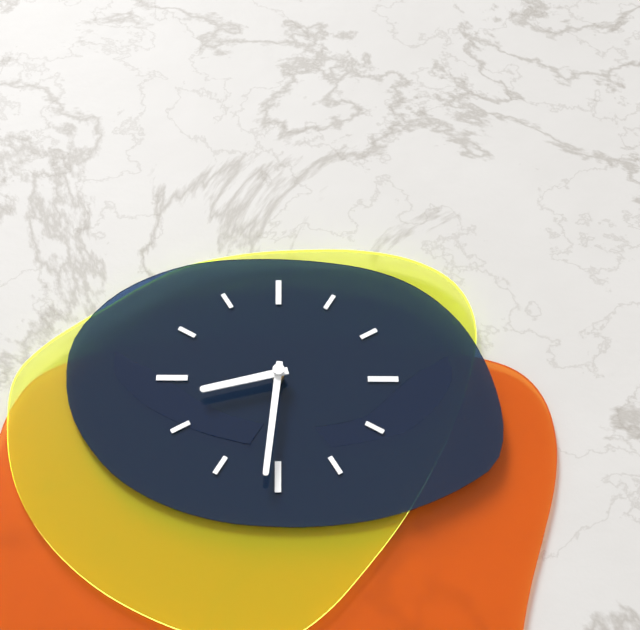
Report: 8:31
